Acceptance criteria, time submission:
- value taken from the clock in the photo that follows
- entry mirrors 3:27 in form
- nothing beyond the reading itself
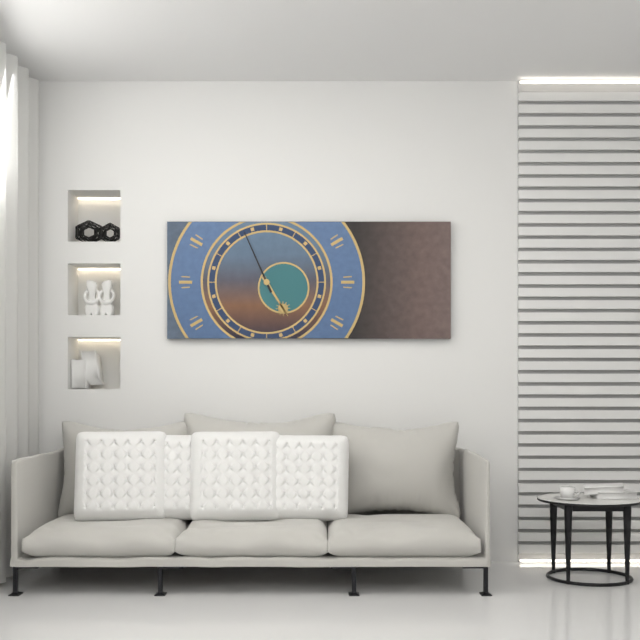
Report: 4:56
